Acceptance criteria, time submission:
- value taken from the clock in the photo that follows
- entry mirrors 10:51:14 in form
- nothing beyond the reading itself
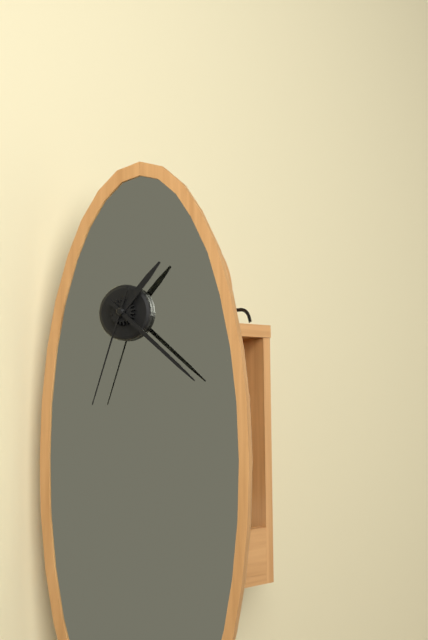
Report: 1:22:33
